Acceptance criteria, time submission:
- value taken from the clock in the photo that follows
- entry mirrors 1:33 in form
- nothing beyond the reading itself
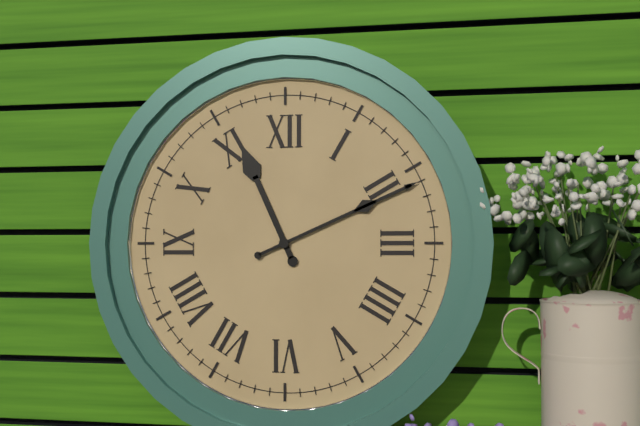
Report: 11:11
